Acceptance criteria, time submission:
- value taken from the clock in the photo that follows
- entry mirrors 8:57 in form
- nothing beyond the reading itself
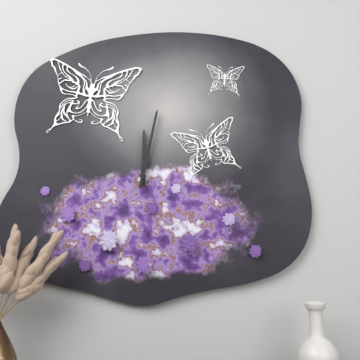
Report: 12:02
